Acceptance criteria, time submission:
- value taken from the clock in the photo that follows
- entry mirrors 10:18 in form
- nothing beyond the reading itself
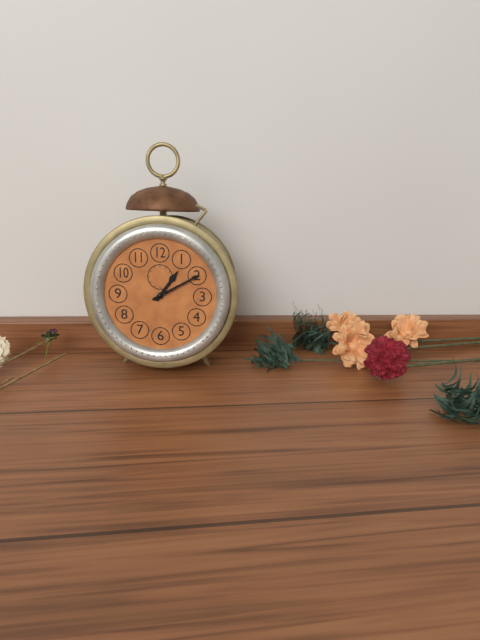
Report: 1:10
